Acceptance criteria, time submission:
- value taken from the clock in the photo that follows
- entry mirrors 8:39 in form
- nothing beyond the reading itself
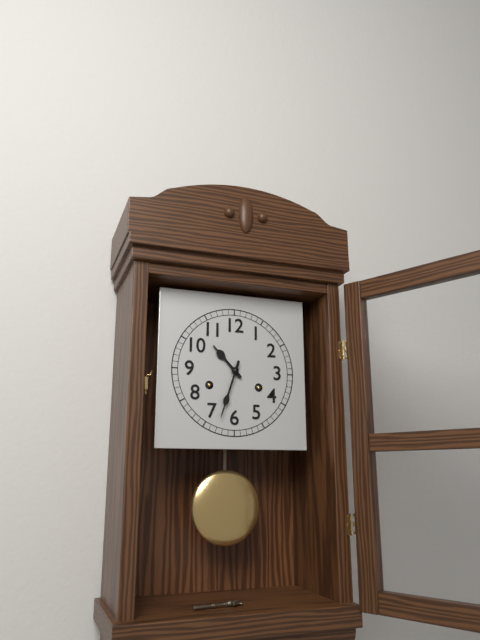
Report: 10:33
